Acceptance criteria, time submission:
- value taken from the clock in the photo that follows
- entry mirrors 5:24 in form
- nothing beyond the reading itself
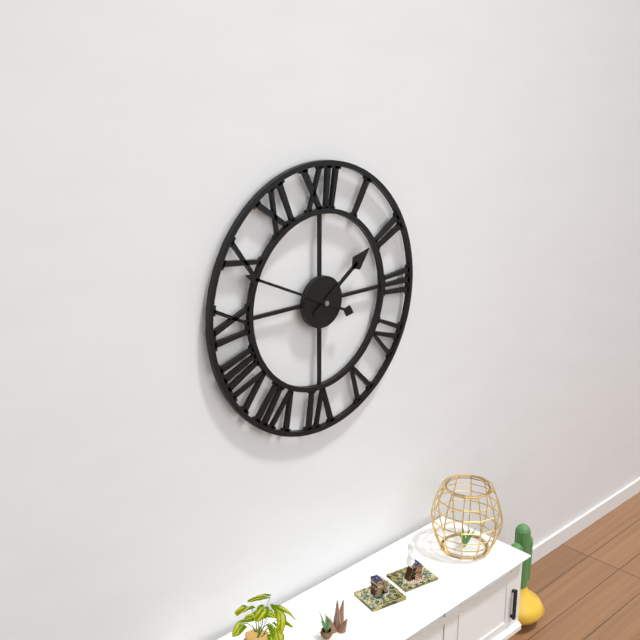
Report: 1:49
